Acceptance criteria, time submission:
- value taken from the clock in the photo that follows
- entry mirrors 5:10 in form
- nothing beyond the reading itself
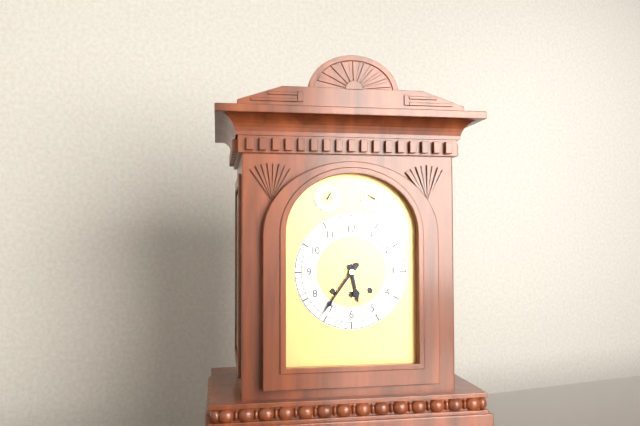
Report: 5:36
